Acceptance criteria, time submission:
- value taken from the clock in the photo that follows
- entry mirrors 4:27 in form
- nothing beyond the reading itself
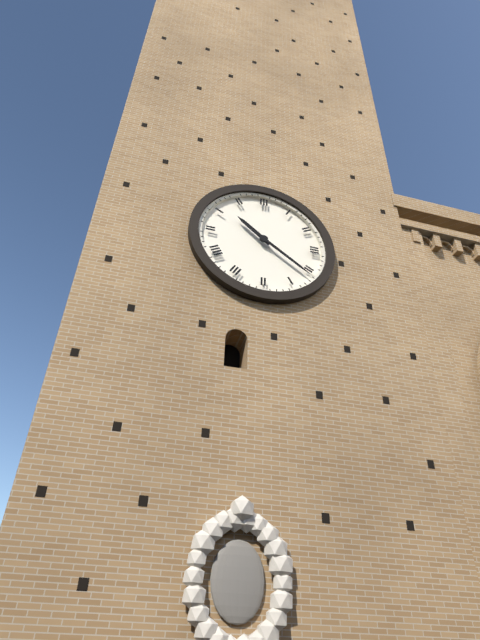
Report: 10:21
